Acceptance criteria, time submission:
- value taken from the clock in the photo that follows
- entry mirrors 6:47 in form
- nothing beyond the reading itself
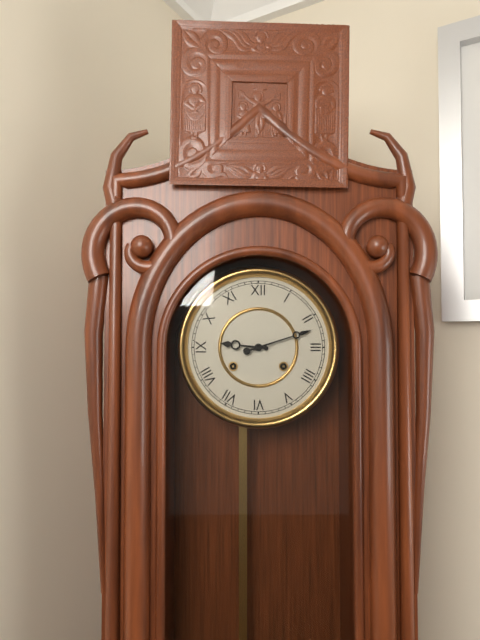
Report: 9:12
